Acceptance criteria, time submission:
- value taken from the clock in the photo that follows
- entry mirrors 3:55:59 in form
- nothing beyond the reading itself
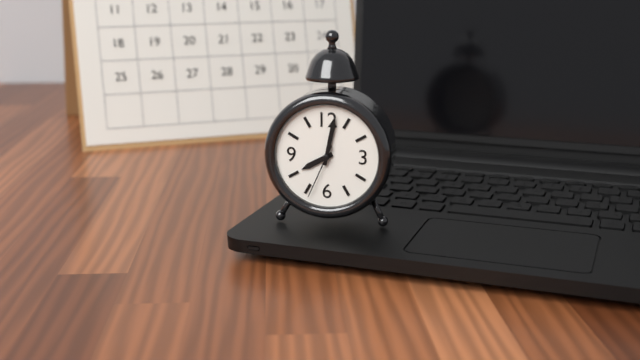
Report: 8:02:34
